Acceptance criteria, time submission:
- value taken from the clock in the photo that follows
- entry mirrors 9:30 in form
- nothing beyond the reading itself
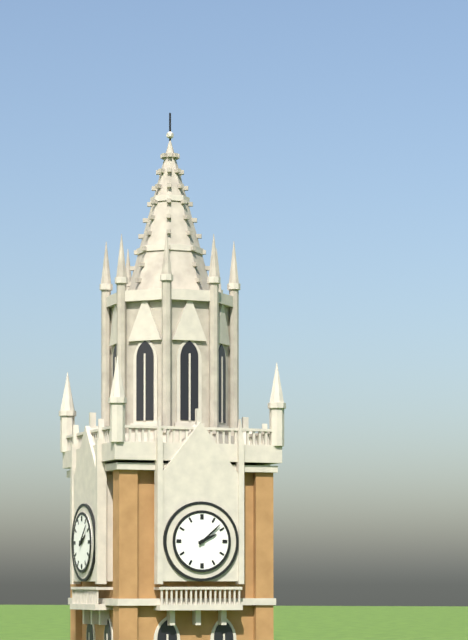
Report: 2:08
